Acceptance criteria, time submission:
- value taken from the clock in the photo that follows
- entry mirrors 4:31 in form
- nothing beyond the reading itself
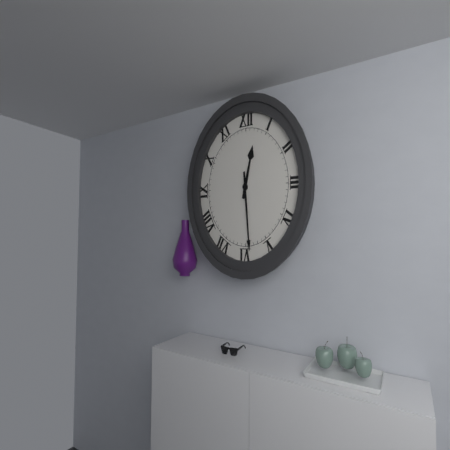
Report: 12:29
